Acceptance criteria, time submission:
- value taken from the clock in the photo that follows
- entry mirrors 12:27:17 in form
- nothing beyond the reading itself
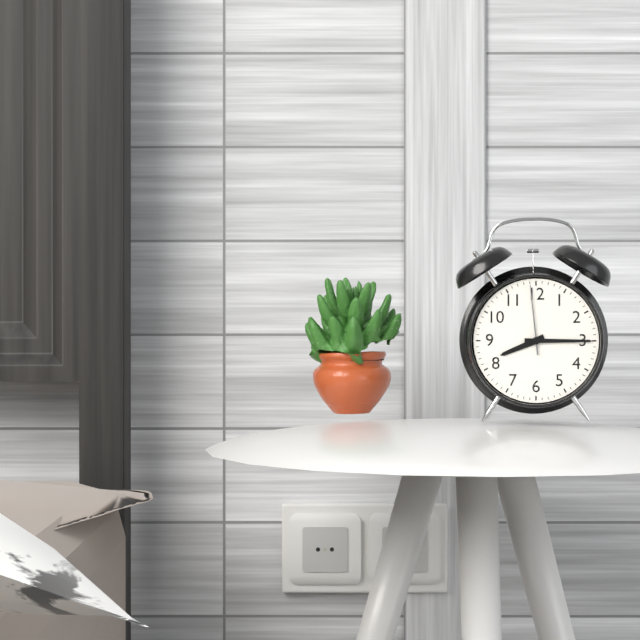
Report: 8:15:59
